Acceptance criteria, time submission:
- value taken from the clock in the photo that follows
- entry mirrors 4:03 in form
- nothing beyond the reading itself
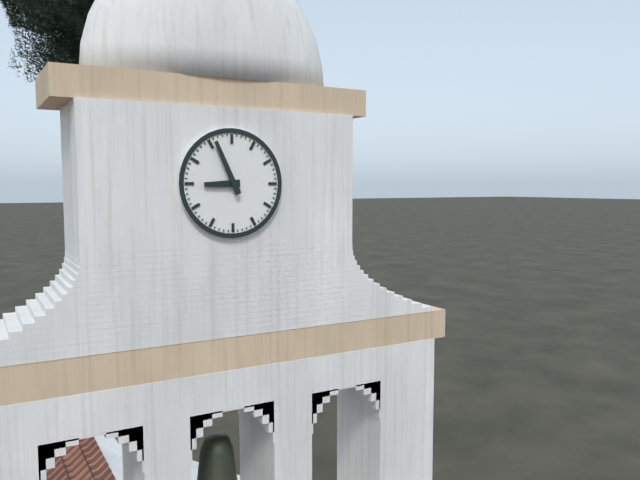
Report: 8:56
